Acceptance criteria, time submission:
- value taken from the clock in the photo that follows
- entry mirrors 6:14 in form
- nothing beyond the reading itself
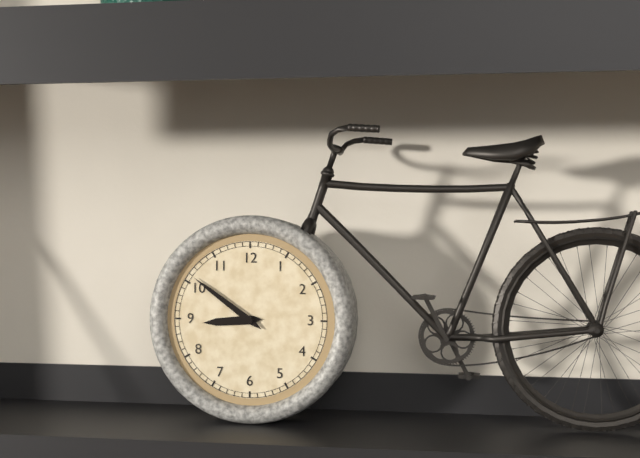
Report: 8:51
